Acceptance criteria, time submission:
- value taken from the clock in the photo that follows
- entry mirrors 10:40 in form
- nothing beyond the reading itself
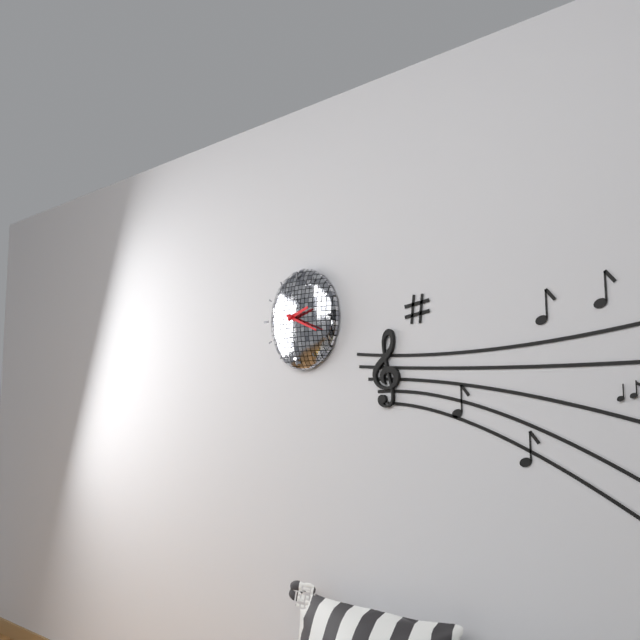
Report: 2:19
